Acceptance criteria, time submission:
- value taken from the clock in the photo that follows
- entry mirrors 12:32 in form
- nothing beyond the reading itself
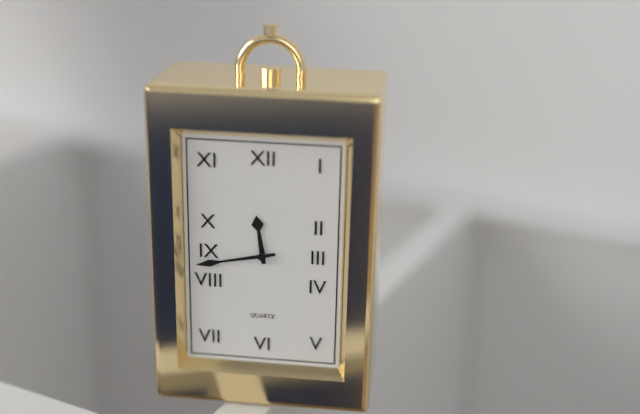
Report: 11:43
